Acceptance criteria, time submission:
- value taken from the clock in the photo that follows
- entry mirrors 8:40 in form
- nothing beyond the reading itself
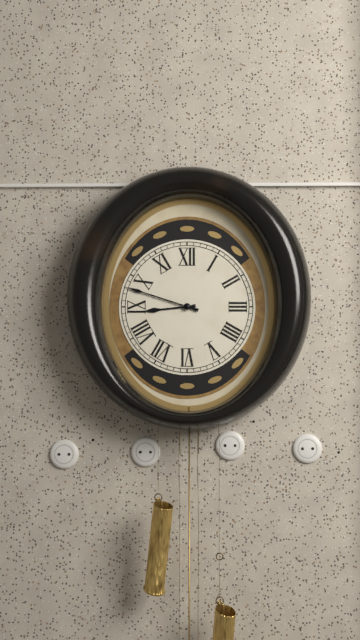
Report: 8:48
